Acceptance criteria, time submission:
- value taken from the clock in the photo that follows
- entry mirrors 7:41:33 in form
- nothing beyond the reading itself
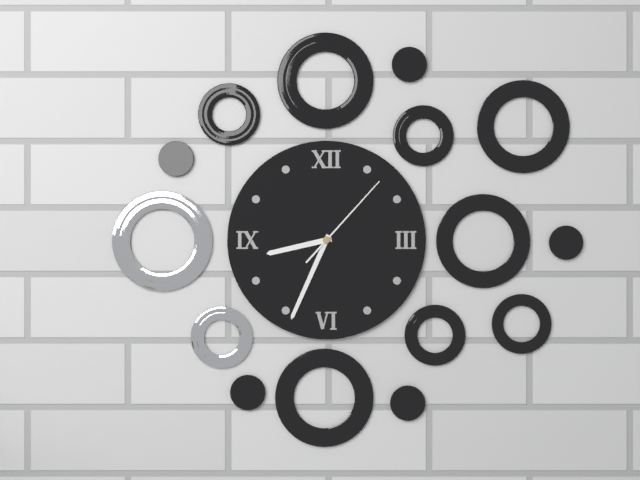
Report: 8:34:07
